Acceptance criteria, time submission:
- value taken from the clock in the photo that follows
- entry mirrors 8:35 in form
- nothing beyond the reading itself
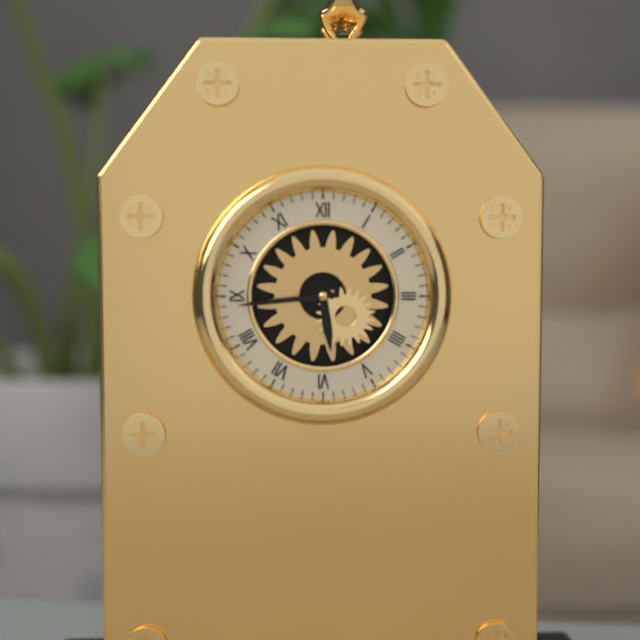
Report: 5:44
